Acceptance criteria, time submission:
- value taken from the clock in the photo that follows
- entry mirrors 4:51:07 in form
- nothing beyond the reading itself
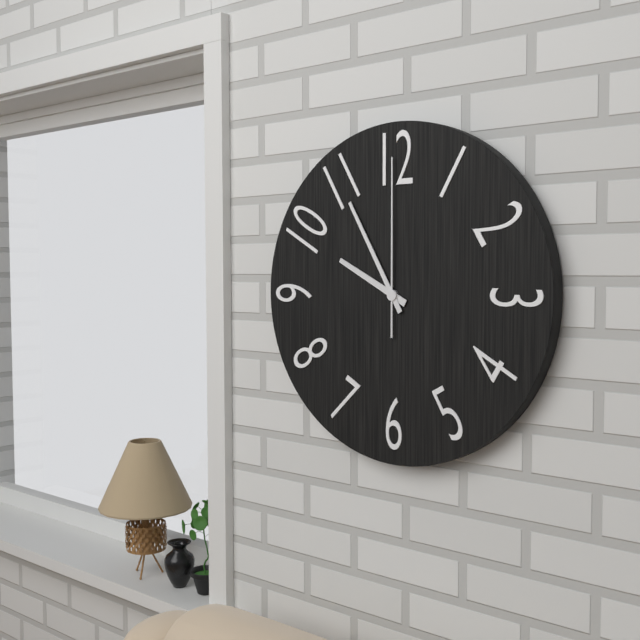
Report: 9:55:00
